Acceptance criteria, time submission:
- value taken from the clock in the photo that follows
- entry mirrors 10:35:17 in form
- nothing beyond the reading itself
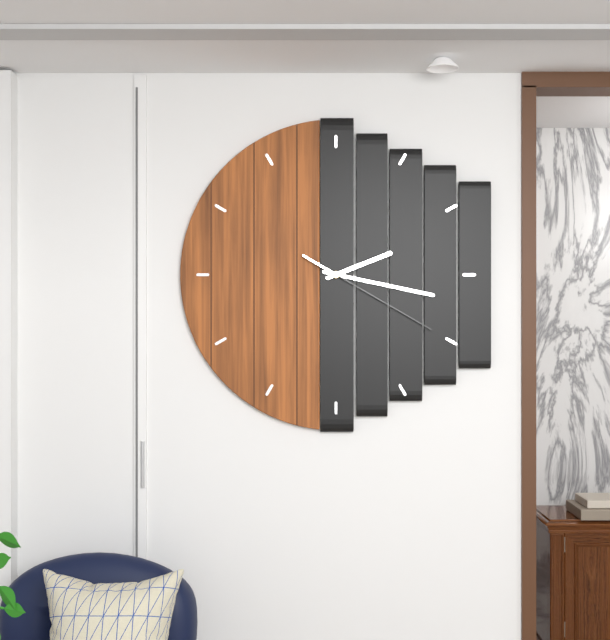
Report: 2:17:20
